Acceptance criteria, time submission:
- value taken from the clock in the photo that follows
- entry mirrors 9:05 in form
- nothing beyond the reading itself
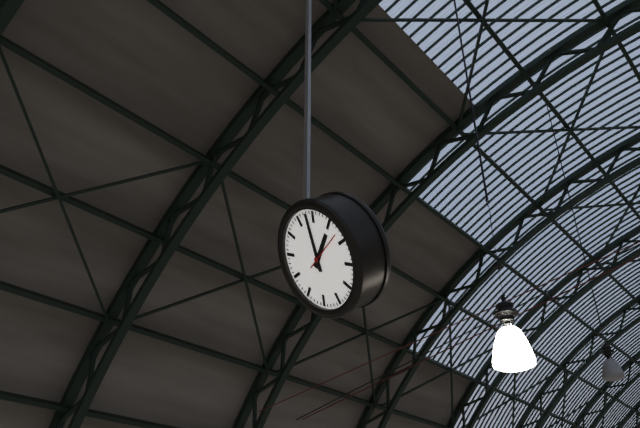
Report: 2:03
